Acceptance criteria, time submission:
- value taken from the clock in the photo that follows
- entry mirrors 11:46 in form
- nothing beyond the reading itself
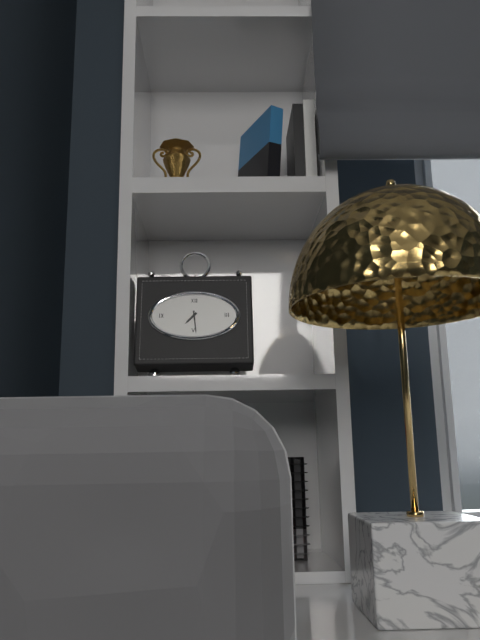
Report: 7:29
